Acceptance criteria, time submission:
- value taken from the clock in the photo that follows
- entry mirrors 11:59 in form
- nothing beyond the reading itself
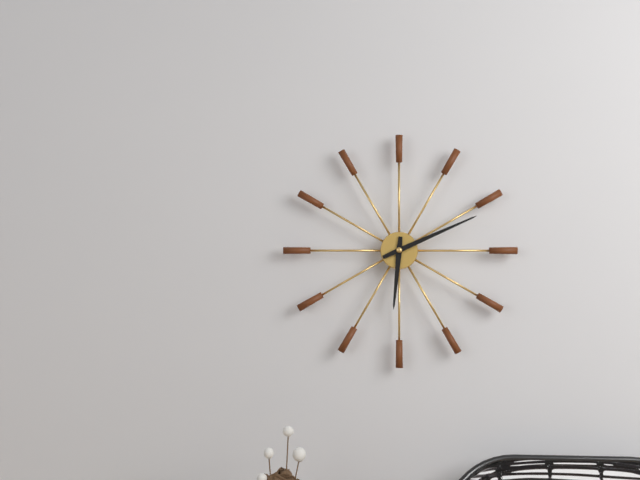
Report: 6:11
